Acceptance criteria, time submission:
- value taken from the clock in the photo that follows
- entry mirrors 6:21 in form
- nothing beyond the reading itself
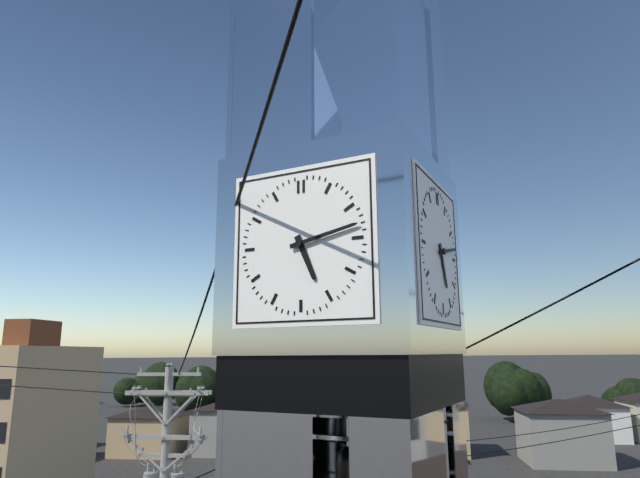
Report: 5:13
